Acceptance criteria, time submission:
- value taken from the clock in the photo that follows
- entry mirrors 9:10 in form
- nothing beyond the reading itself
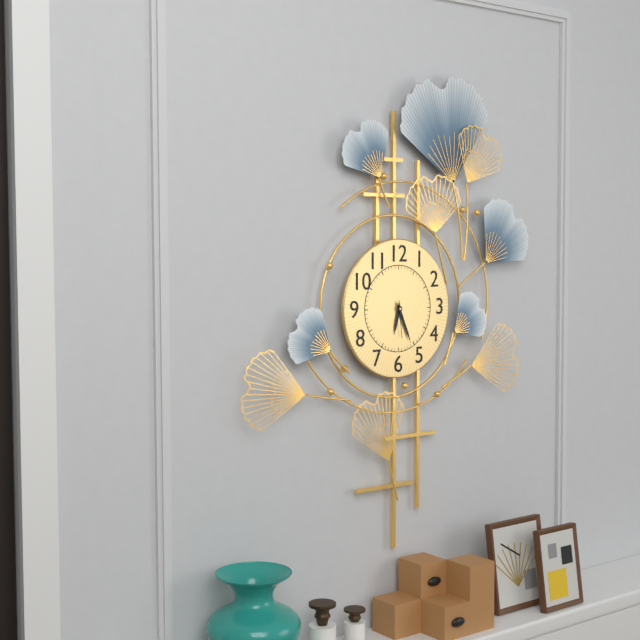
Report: 6:26
